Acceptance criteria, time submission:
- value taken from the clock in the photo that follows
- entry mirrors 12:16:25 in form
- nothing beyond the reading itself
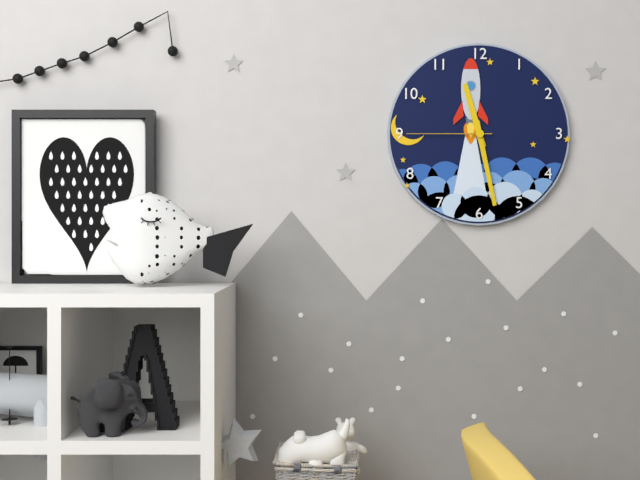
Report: 11:28:45
